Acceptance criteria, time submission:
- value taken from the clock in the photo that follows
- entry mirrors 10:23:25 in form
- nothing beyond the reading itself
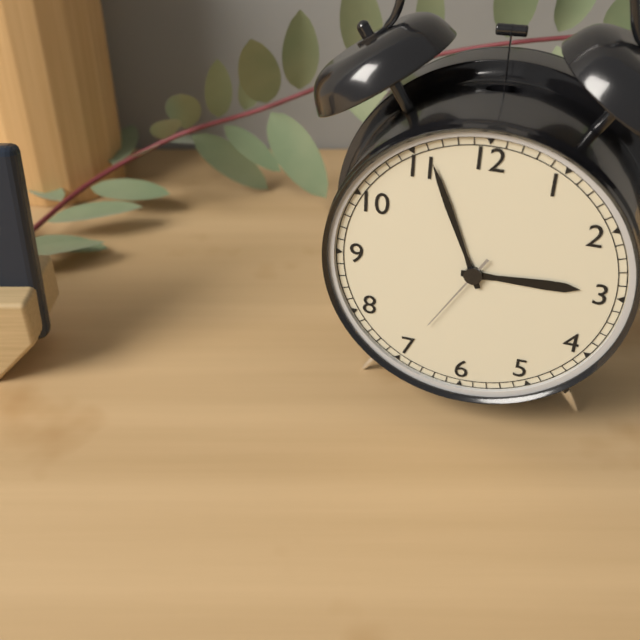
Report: 2:56:35
